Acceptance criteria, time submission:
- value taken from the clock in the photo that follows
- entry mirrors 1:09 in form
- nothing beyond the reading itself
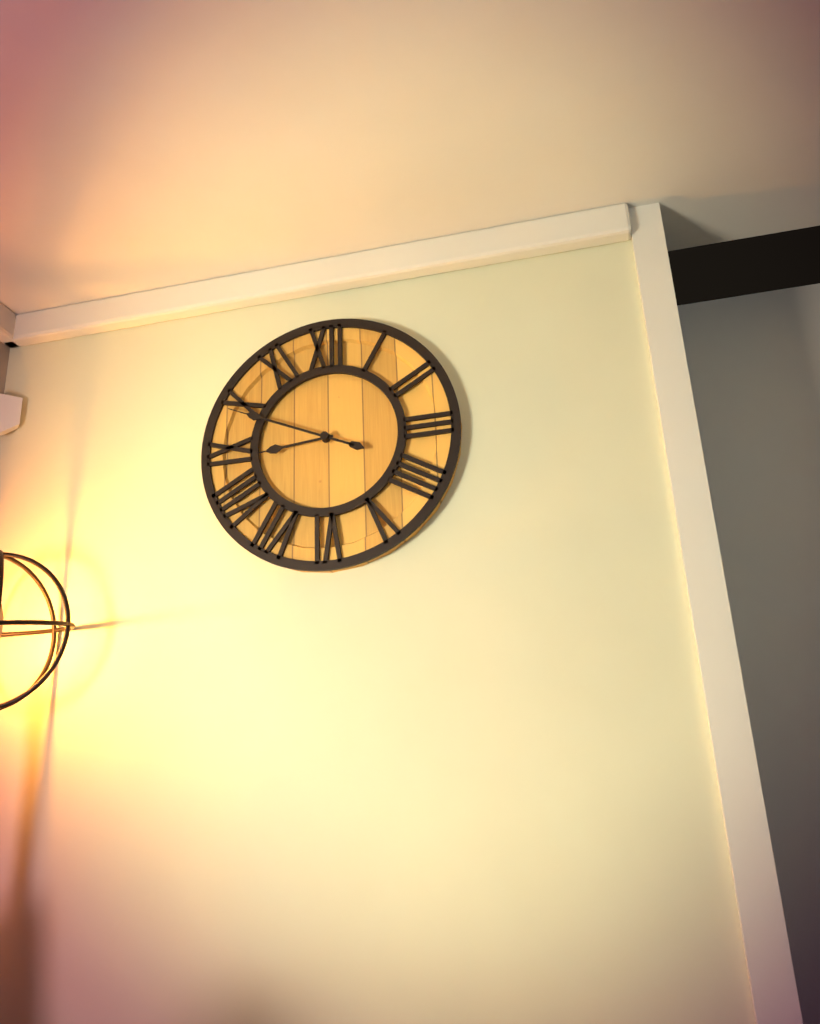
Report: 8:49
